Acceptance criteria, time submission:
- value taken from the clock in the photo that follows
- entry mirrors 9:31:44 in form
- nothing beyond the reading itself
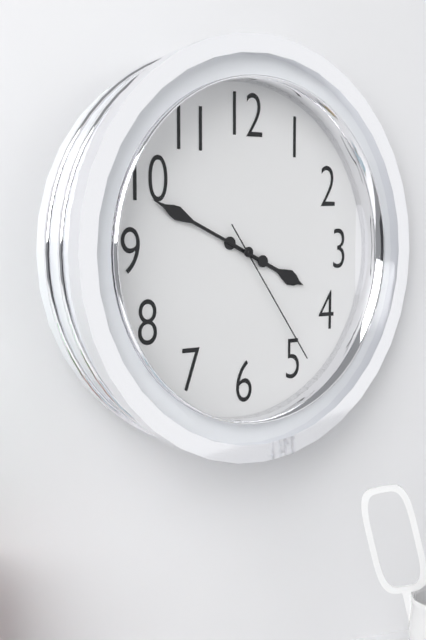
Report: 3:49:24
